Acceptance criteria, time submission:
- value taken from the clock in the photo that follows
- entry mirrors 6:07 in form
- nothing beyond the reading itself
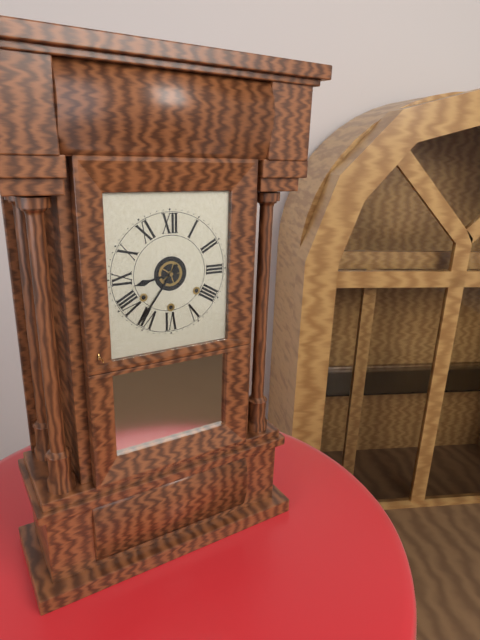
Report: 8:36
